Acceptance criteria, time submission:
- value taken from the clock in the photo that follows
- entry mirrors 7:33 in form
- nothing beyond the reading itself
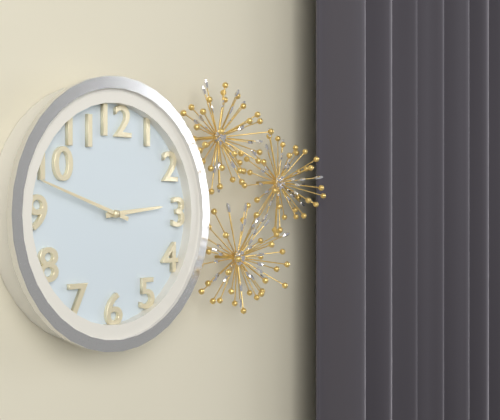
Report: 2:48
